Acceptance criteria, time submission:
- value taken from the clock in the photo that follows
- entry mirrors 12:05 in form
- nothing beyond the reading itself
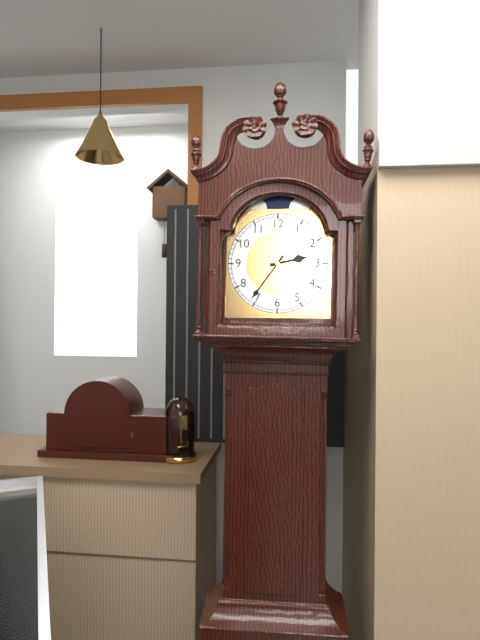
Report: 2:36
